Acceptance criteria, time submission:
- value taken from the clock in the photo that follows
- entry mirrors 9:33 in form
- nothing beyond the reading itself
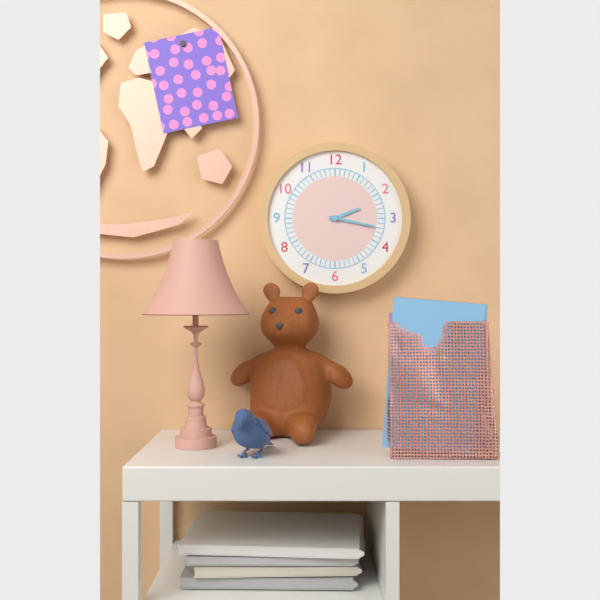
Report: 2:17
